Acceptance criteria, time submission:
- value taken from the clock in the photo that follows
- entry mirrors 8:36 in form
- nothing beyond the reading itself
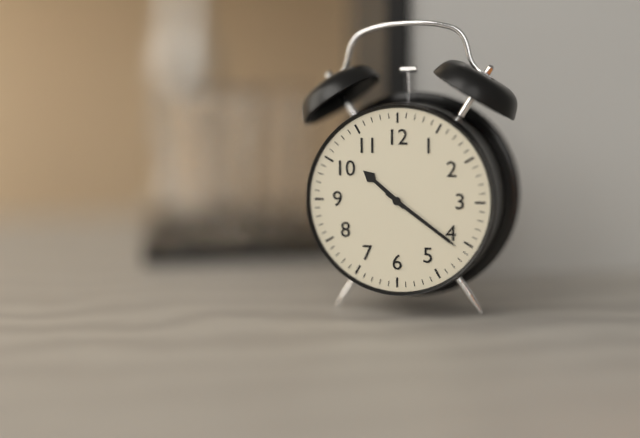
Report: 10:21
